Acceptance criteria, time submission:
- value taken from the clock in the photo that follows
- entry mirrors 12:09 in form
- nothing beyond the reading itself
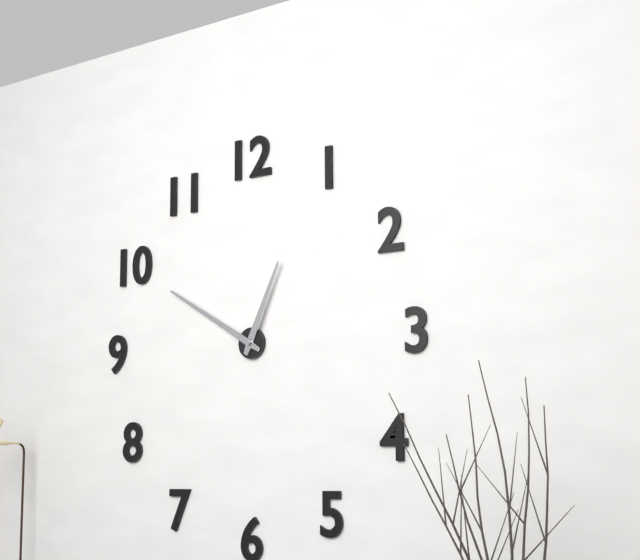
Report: 12:50
